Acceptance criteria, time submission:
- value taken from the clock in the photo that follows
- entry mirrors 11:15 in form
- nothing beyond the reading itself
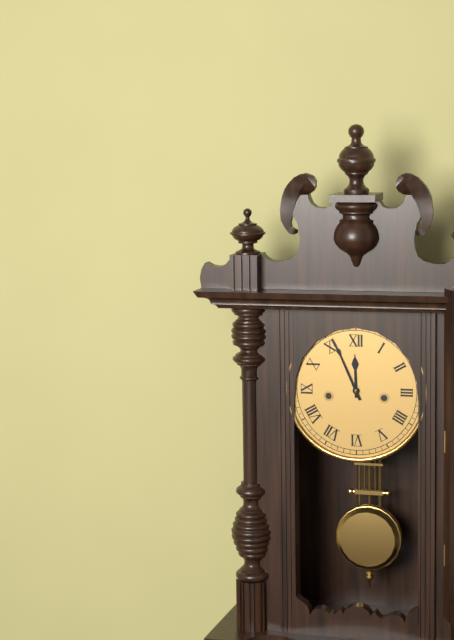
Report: 11:56
